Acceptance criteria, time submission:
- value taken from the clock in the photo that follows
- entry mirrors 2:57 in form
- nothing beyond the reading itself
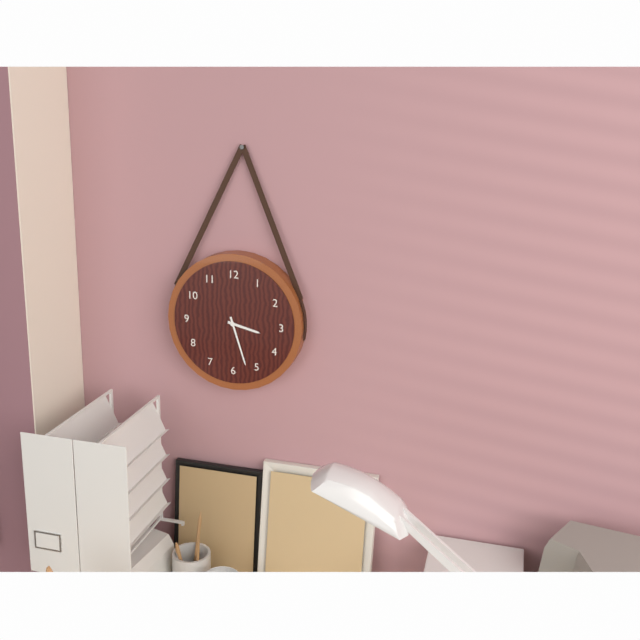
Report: 3:27
